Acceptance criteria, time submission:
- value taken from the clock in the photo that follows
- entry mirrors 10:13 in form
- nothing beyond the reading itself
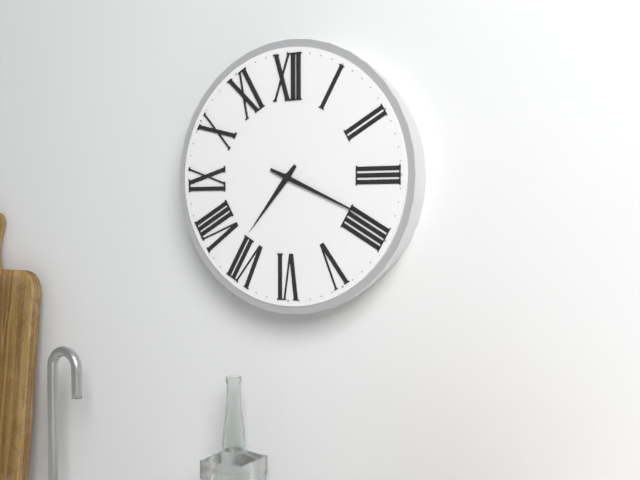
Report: 7:19
